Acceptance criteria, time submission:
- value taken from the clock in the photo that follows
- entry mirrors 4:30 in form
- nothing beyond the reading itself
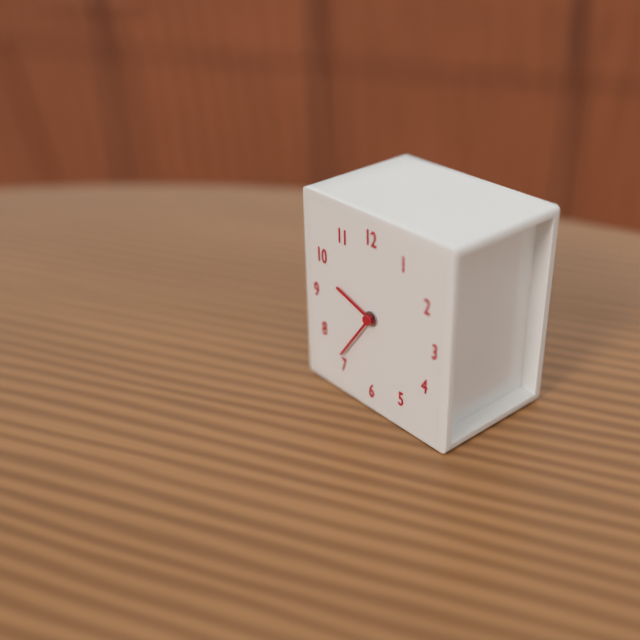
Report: 9:36
